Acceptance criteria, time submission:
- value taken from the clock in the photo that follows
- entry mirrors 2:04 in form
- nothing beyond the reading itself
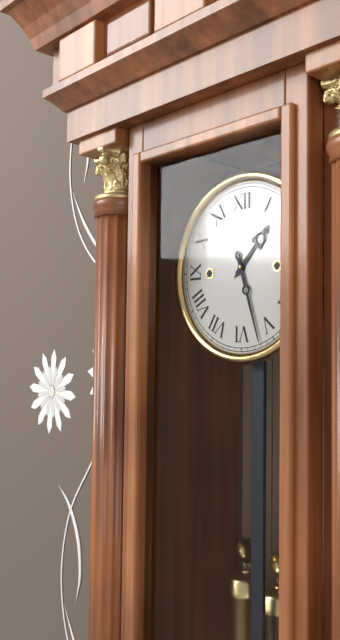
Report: 1:27
